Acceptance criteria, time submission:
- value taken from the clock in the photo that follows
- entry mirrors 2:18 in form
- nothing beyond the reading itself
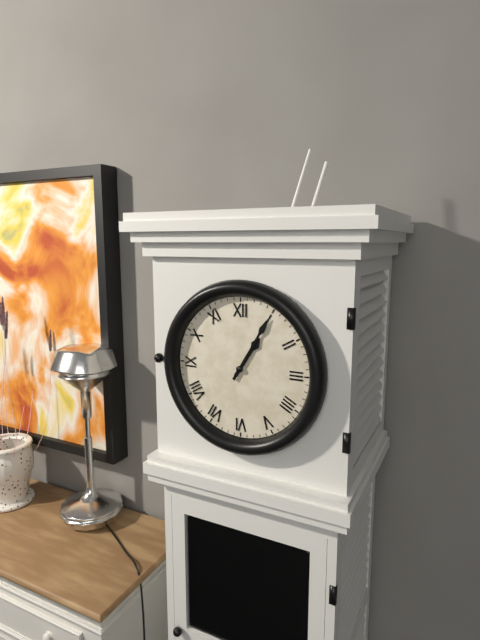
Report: 1:05
